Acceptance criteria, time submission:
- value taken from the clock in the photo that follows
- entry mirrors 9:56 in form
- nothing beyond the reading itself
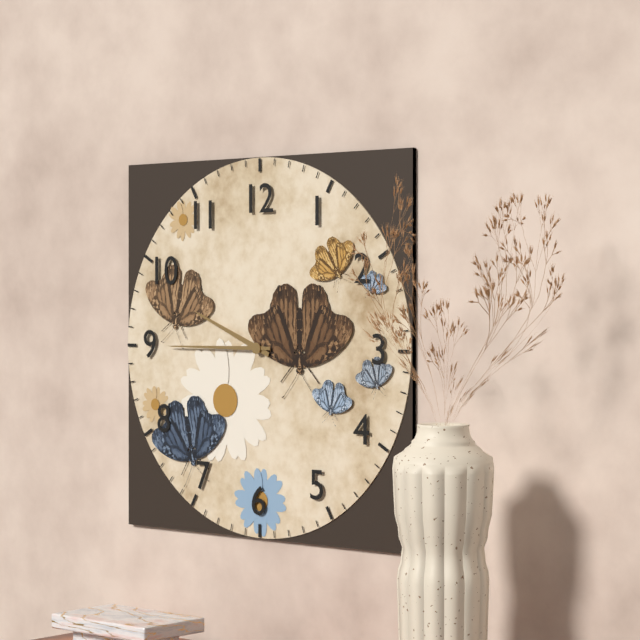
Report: 9:45
